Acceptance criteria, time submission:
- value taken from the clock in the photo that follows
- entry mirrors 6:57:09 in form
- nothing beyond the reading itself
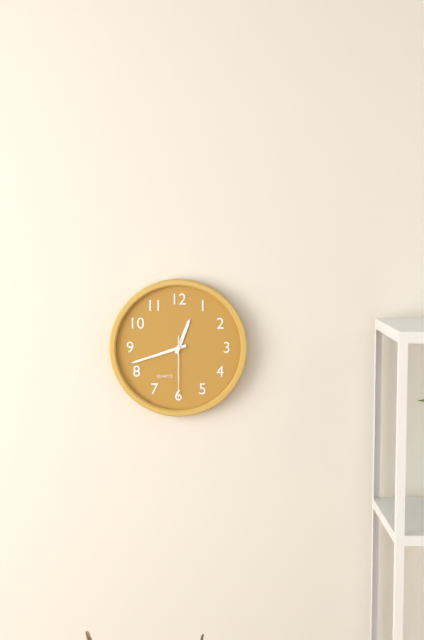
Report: 12:42:30
